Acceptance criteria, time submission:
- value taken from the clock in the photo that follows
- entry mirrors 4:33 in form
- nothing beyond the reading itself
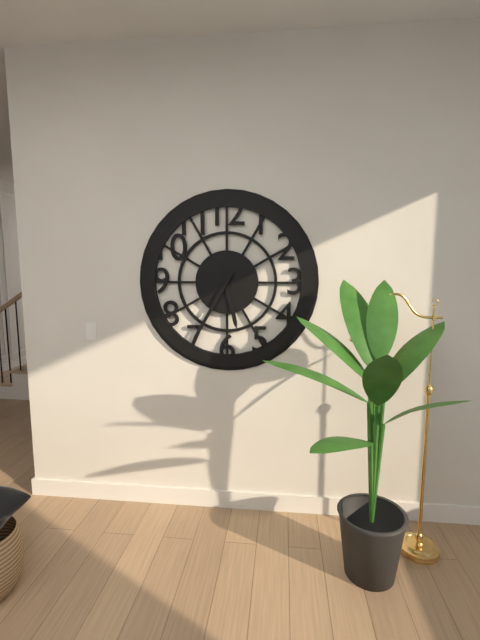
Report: 5:35
